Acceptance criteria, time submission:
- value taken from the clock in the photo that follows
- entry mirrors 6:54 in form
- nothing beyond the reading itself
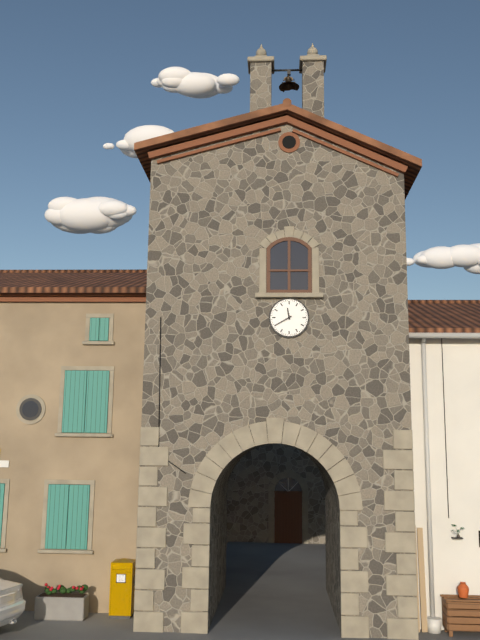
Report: 11:40
